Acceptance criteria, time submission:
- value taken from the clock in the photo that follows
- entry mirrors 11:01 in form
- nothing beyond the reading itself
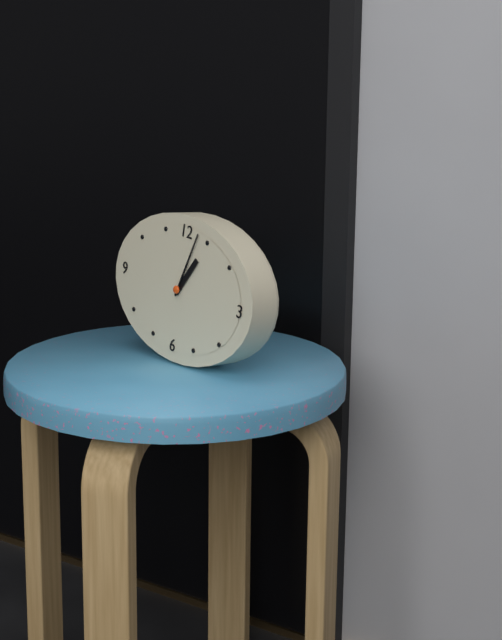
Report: 1:03
